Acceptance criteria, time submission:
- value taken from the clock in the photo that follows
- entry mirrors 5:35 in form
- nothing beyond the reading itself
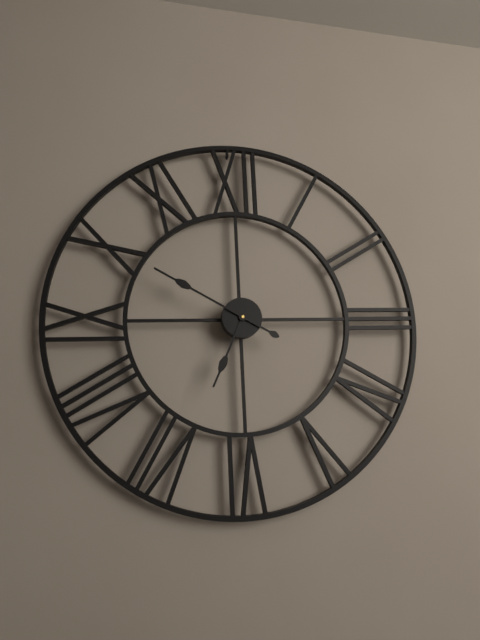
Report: 6:50
